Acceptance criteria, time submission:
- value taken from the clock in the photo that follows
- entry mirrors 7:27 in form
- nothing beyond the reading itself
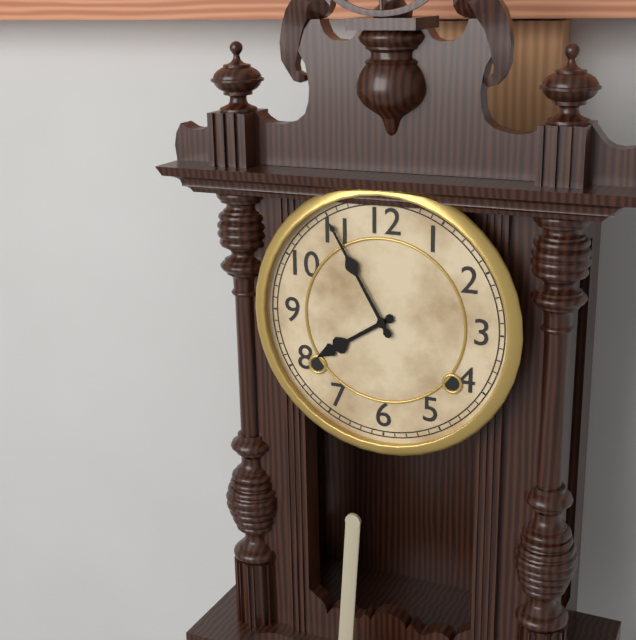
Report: 7:55
